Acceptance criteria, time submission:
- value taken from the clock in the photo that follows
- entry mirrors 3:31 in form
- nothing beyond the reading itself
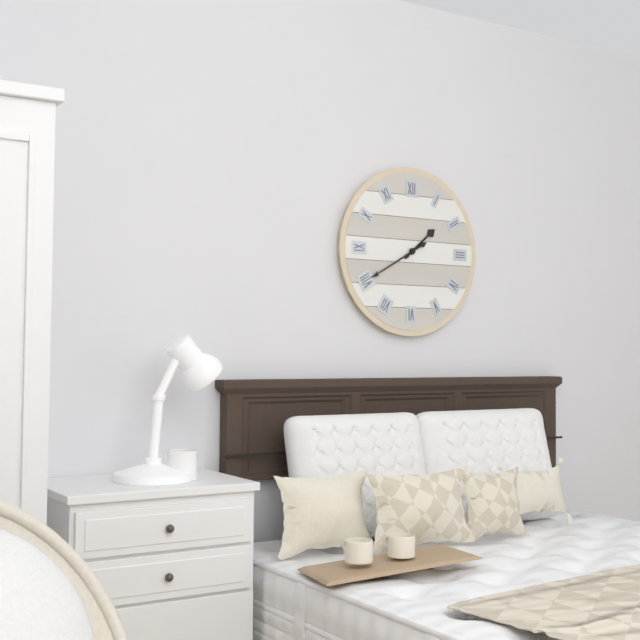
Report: 1:40
